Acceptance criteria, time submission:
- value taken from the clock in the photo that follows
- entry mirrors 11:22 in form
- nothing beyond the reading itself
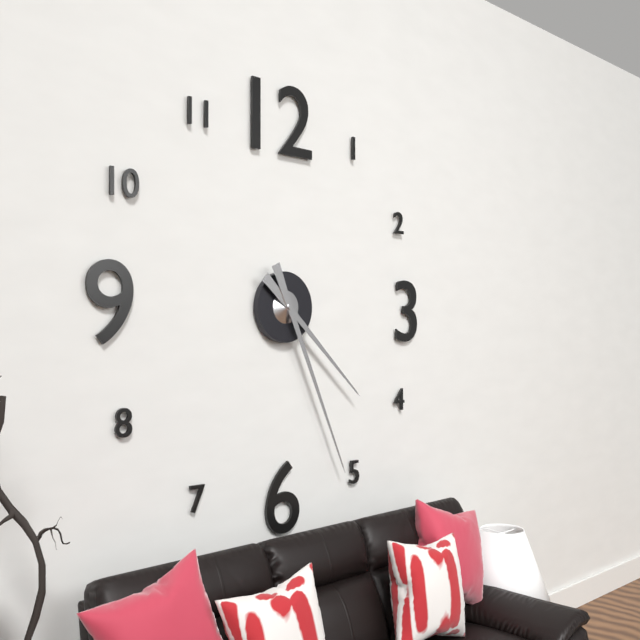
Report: 4:26
